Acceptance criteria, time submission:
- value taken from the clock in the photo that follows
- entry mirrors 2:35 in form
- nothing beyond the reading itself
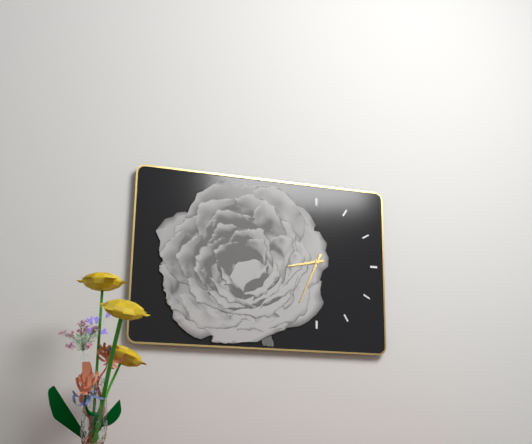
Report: 8:34
